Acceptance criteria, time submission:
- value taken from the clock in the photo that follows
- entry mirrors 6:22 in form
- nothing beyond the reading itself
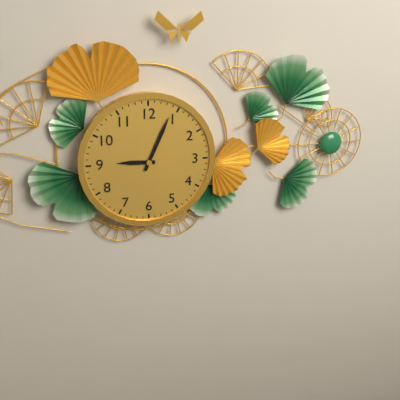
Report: 9:04
